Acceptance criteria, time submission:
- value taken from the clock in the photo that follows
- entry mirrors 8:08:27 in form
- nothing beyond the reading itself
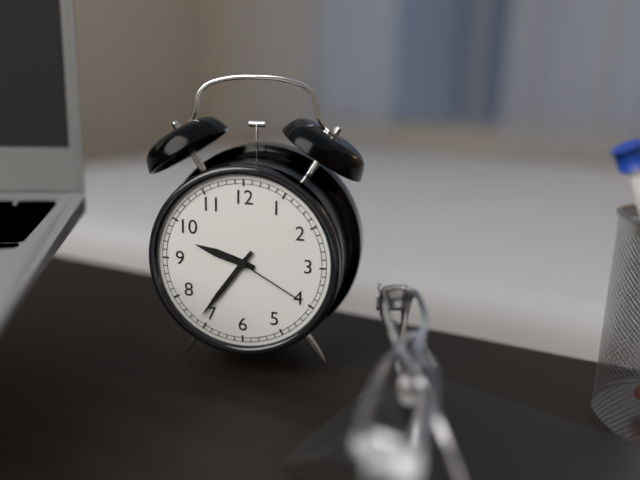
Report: 9:36:20
